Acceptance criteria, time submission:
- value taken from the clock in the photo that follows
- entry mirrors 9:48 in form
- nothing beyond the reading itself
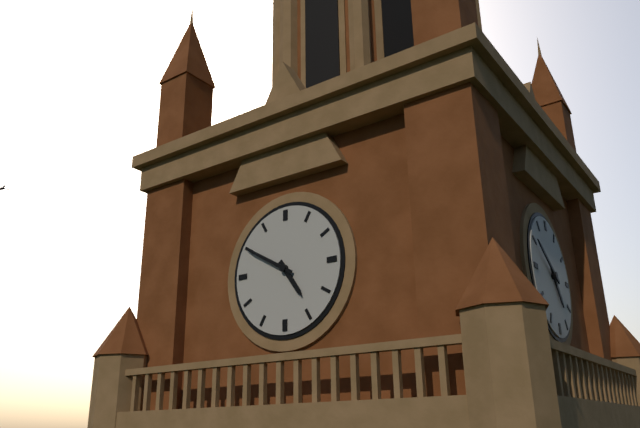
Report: 4:50
